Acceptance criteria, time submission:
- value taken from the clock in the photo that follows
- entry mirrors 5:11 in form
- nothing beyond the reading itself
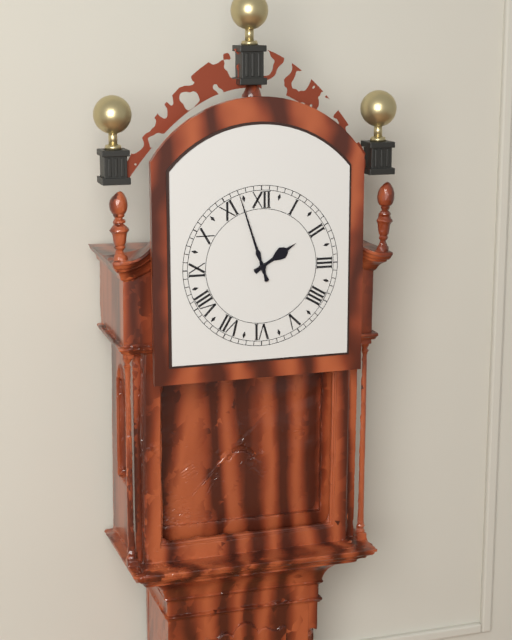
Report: 1:57
